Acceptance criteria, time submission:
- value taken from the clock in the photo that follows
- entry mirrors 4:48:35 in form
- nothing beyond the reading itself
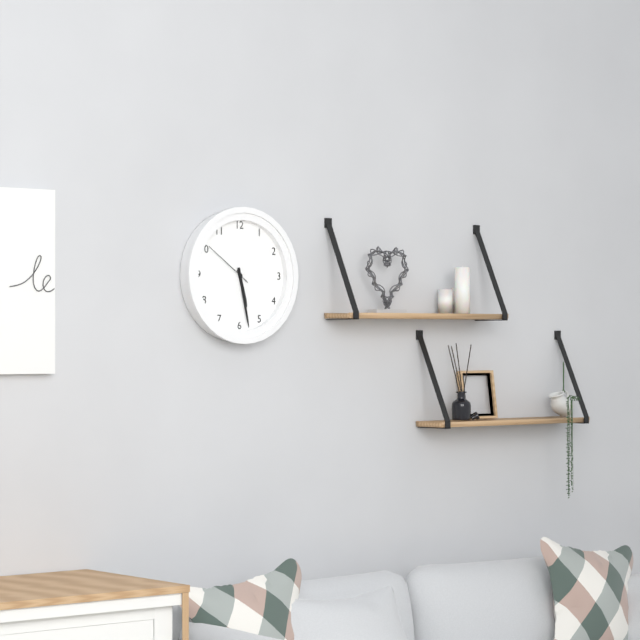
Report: 5:28:51
